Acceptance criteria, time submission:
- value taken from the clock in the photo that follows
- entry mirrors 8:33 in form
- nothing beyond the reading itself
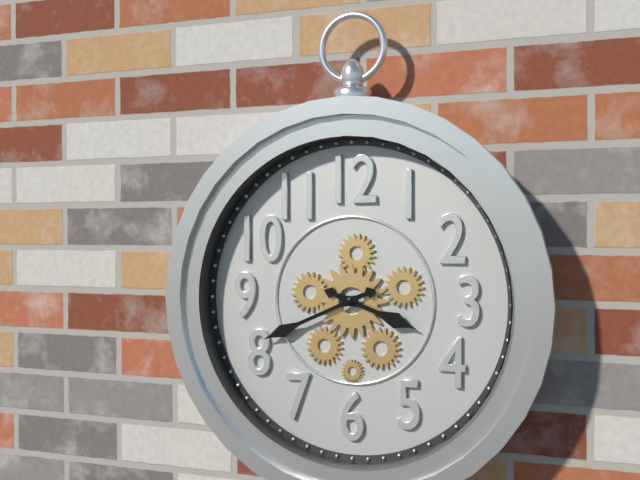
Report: 3:41
